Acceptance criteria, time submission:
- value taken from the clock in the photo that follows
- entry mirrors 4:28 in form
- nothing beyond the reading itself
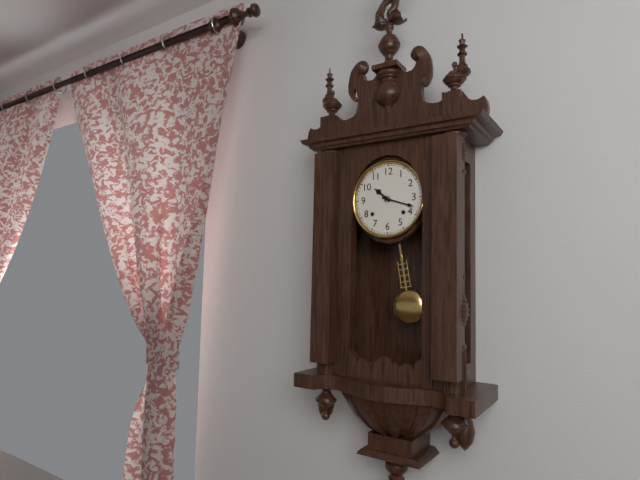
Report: 10:18
